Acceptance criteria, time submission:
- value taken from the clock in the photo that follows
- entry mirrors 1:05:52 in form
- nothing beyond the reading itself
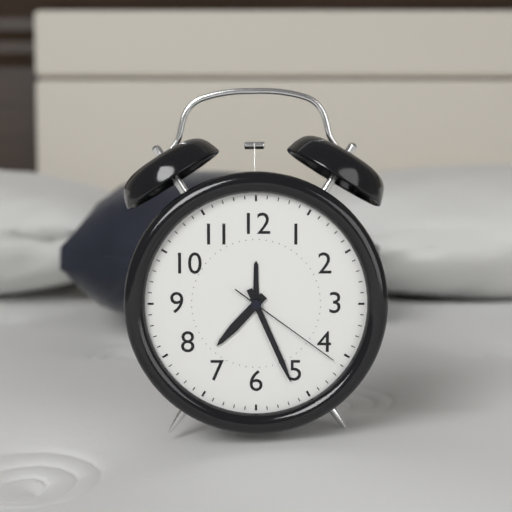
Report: 7:26:21
